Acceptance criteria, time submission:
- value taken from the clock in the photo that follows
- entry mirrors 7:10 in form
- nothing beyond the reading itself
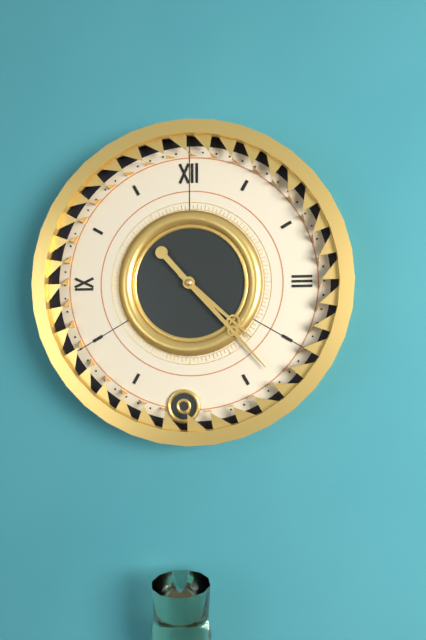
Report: 4:23
